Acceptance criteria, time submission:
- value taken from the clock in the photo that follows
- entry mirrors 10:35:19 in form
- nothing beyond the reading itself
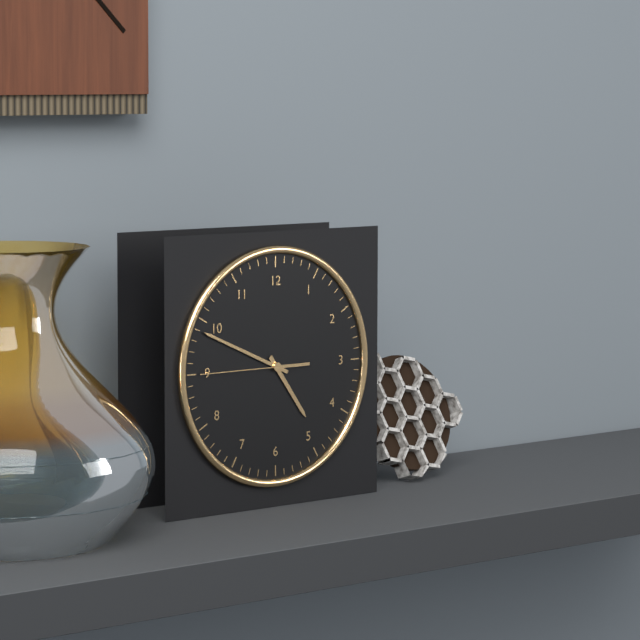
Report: 4:49:45
